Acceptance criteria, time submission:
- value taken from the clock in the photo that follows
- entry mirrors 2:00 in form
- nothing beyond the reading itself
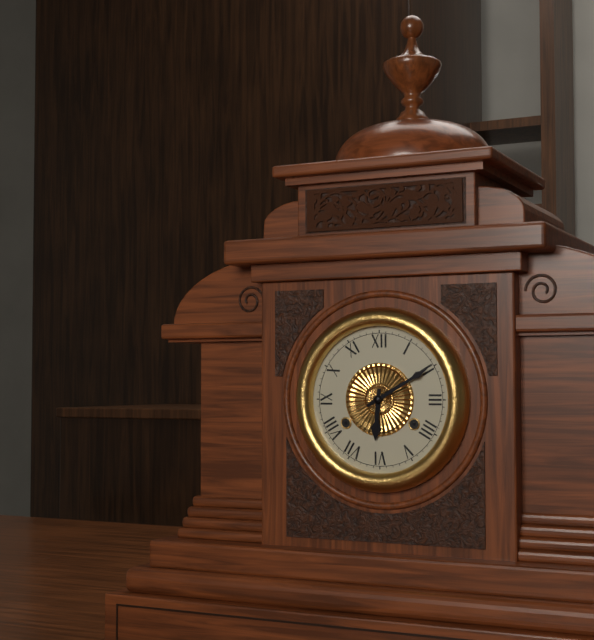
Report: 6:10
